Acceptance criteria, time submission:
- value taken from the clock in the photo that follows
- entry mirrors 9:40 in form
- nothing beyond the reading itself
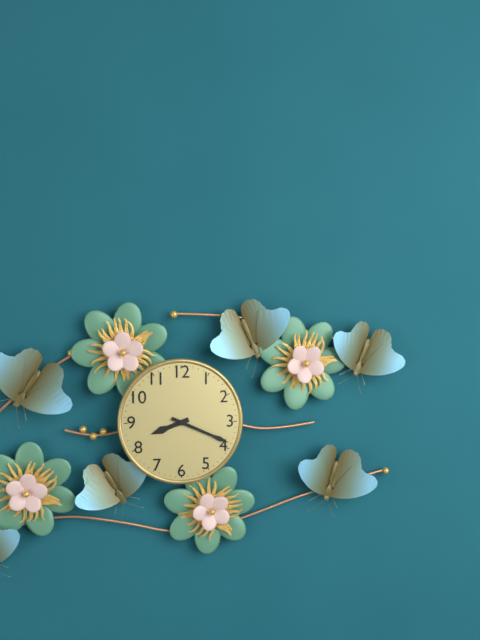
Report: 8:19
